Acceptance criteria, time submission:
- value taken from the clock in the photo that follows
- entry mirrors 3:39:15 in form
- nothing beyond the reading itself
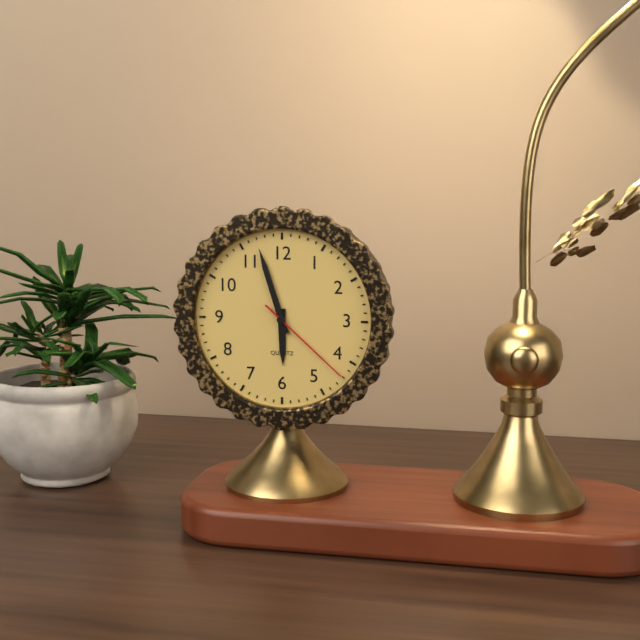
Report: 5:57:22
